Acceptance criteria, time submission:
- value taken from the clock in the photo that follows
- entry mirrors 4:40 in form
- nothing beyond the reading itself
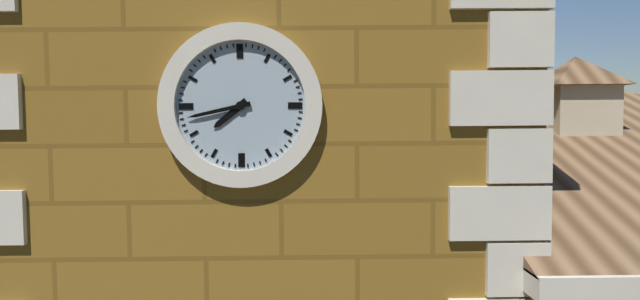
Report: 7:43
